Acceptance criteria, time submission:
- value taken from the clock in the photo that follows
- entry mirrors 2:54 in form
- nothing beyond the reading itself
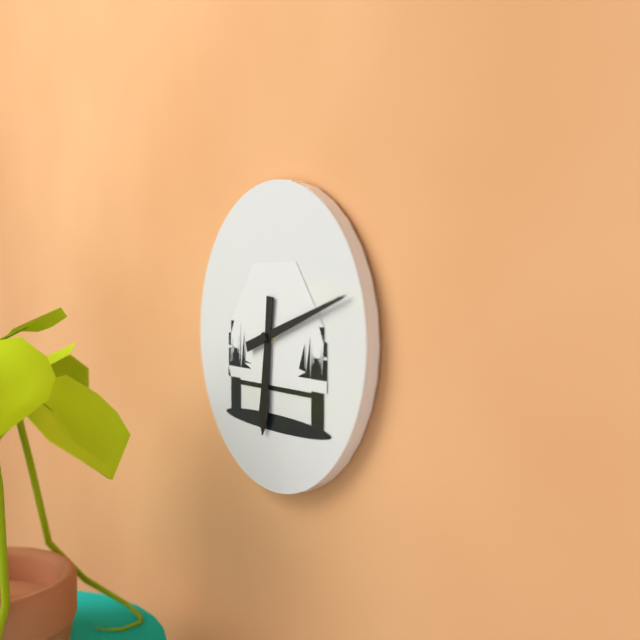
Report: 6:12
